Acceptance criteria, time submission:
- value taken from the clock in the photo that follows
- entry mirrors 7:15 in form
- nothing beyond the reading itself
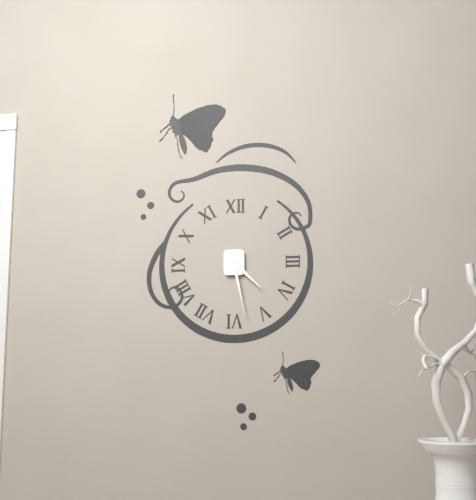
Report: 4:28
